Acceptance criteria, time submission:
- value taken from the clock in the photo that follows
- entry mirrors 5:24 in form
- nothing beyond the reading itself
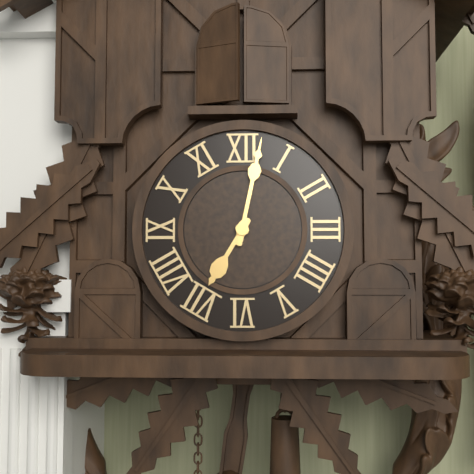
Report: 7:02
